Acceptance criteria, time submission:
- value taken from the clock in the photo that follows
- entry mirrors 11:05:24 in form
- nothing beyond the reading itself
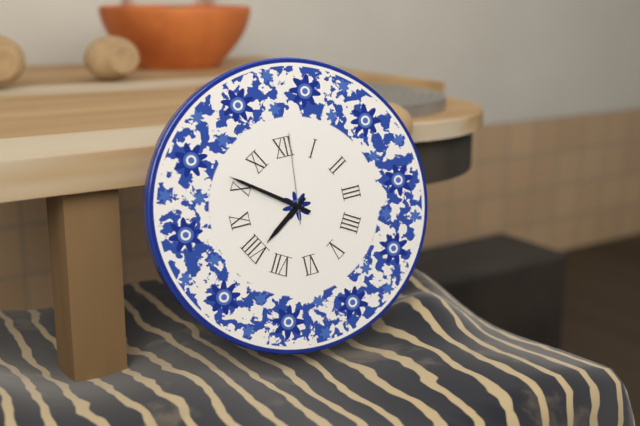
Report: 7:51:01
